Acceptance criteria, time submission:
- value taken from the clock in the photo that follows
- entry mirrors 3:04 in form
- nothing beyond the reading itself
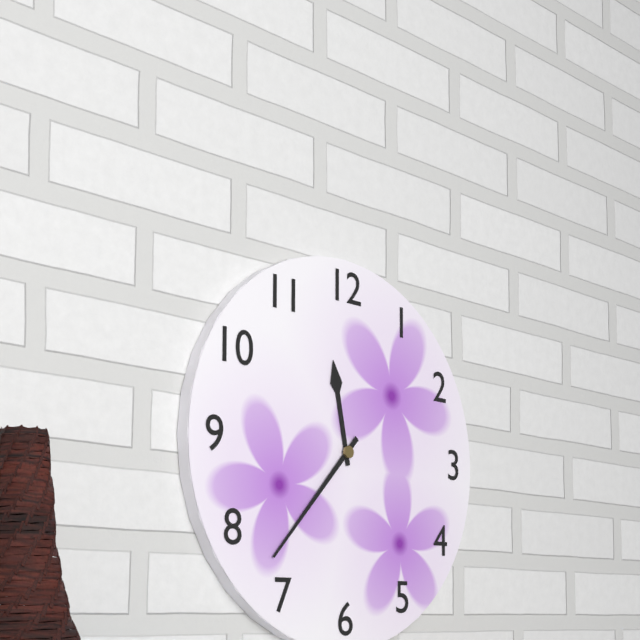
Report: 11:37
